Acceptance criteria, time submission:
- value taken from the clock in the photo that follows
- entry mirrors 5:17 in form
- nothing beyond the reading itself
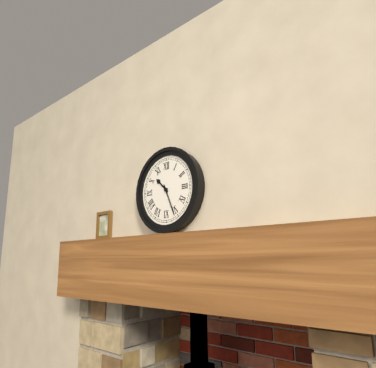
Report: 10:26
